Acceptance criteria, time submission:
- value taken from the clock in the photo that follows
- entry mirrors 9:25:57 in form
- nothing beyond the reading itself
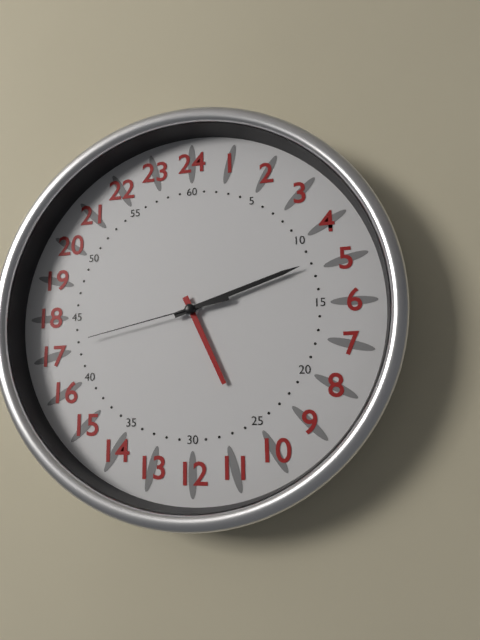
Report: 5:12:43
